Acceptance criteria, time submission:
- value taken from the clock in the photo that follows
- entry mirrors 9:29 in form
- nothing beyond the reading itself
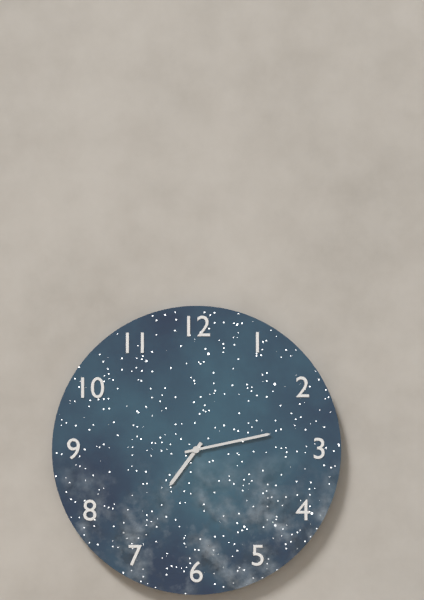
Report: 7:13
